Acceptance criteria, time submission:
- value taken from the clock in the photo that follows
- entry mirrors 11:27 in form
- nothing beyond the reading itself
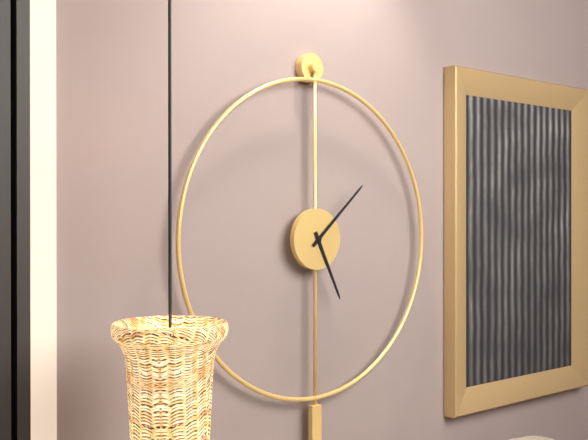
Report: 5:08
